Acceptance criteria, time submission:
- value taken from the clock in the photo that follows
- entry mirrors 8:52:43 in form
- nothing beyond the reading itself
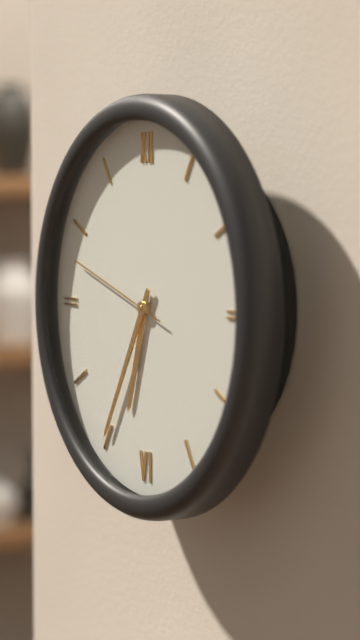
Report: 6:35:48
